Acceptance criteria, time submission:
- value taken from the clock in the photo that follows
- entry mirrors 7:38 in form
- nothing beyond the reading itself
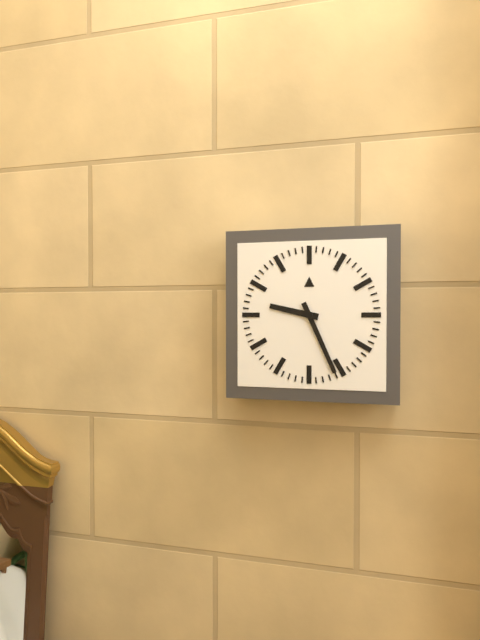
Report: 9:26
